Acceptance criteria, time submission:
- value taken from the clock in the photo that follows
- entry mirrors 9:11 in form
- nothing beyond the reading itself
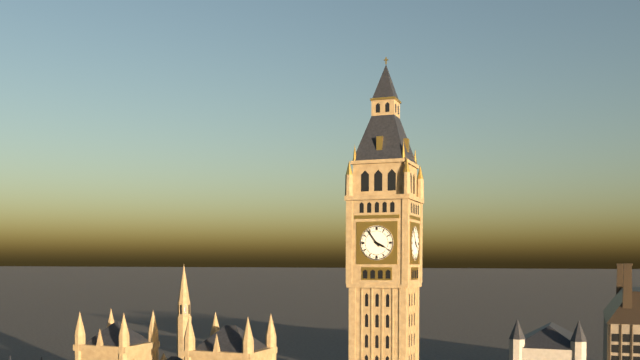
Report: 3:54
